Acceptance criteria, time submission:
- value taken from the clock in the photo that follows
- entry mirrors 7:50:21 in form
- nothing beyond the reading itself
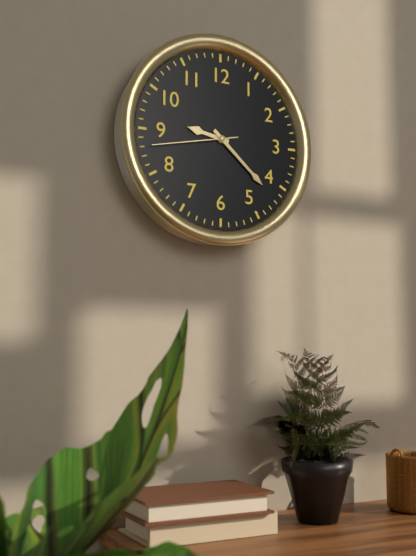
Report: 9:22:43
